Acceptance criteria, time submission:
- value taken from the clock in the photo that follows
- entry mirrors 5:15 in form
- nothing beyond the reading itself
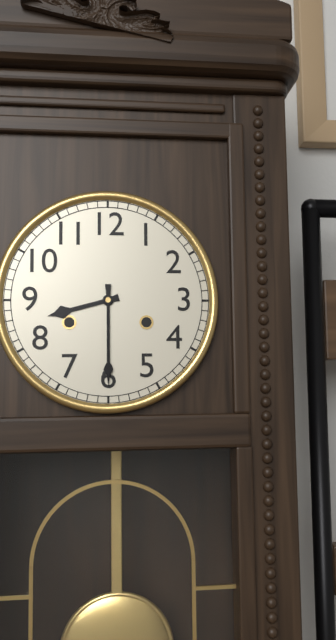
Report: 8:30
